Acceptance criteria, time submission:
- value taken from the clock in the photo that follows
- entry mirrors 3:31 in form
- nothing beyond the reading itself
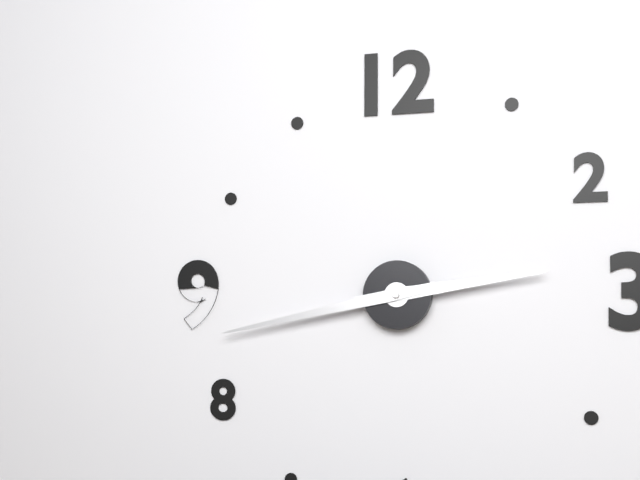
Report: 2:43
